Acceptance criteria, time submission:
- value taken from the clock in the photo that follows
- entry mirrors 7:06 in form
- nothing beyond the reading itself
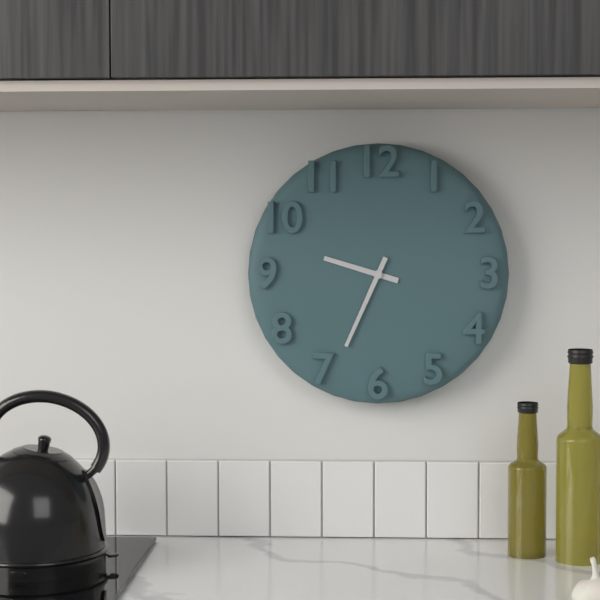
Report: 9:34
